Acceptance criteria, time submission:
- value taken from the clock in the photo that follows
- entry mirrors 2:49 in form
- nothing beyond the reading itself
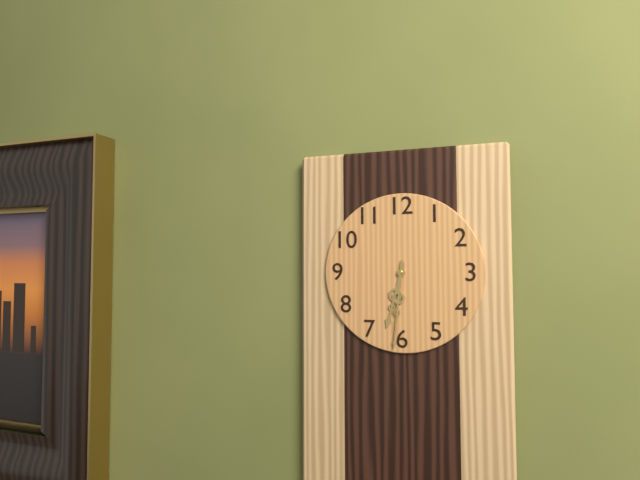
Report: 6:31
